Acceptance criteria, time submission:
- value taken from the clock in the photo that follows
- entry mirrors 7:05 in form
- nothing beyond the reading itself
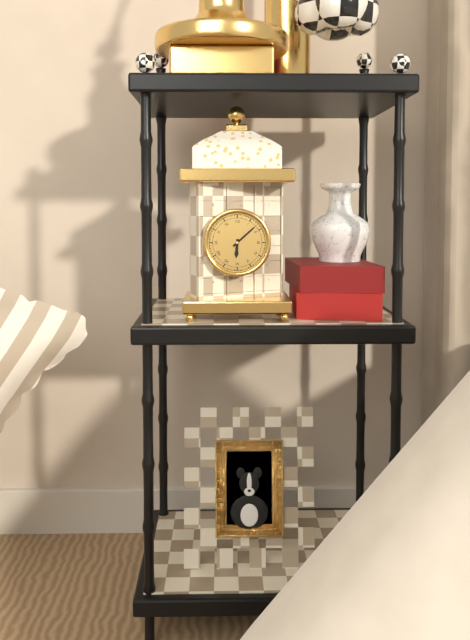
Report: 6:08
